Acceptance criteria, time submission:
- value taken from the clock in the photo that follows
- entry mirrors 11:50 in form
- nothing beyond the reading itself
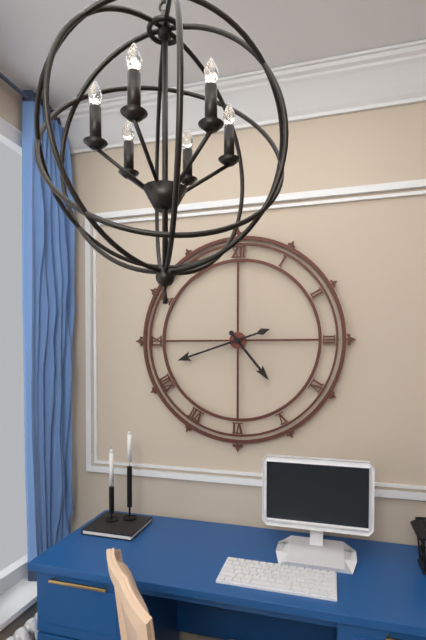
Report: 4:42
